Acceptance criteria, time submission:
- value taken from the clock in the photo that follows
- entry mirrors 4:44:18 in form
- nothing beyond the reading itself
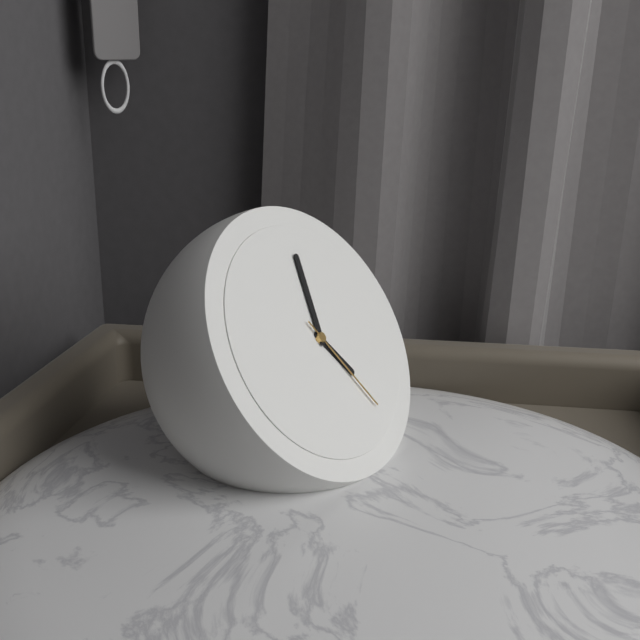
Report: 5:02:26
